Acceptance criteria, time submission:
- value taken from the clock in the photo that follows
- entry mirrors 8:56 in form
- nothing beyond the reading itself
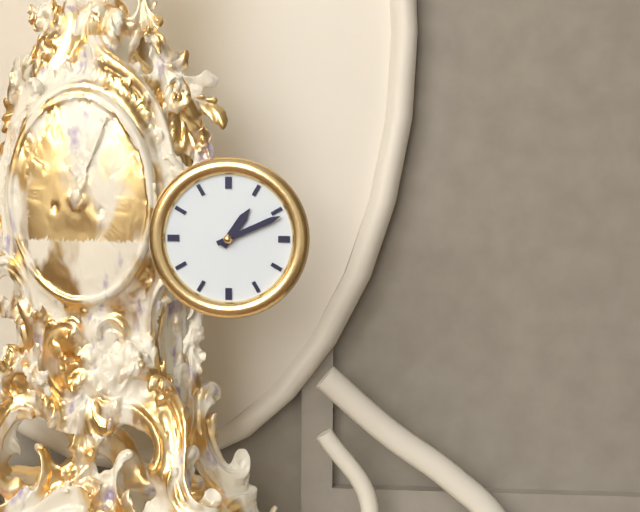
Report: 1:11
